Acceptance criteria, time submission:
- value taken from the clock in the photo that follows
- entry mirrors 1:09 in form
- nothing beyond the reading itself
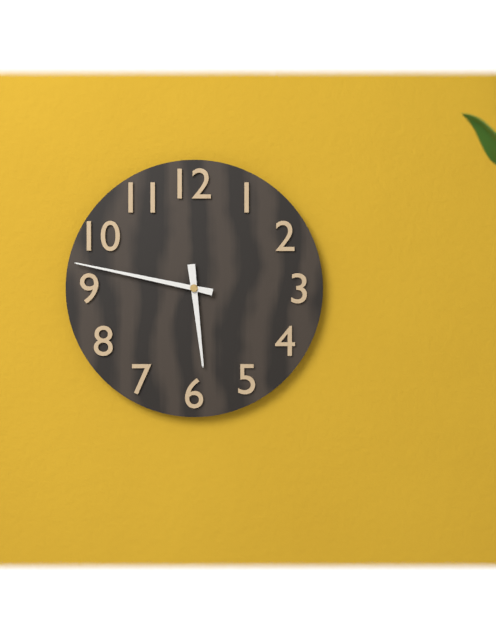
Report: 5:47
